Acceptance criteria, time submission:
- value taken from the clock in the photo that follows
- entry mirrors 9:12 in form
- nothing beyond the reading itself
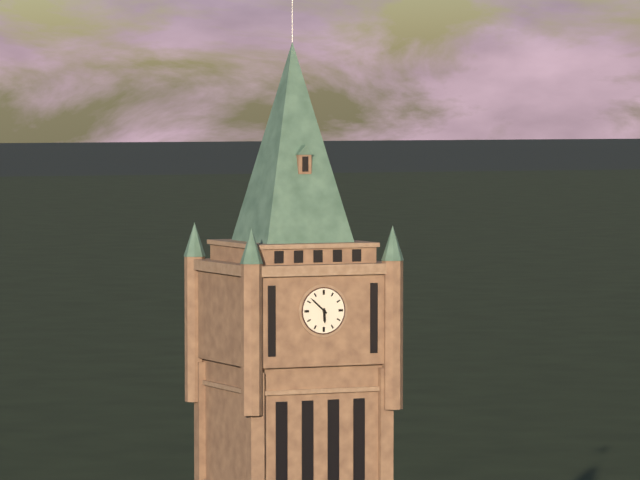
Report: 5:52
